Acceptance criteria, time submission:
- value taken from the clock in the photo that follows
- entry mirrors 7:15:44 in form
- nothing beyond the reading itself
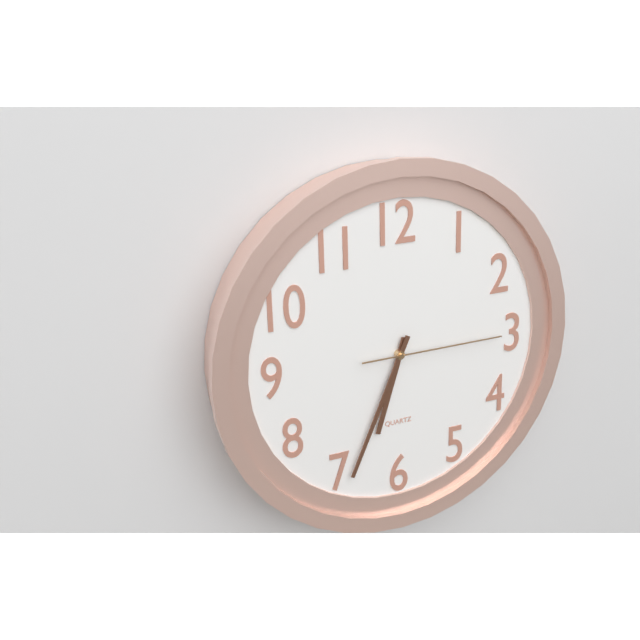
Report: 6:34:15
